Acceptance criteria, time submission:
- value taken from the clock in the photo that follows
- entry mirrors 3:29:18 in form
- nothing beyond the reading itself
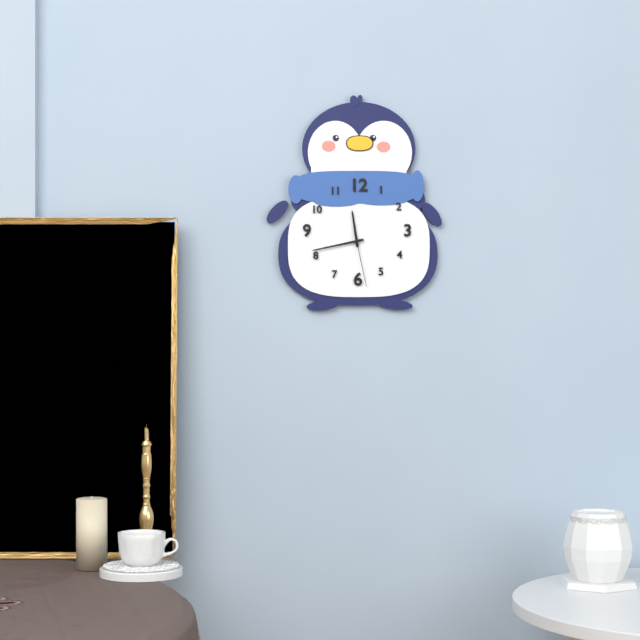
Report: 11:43:28
